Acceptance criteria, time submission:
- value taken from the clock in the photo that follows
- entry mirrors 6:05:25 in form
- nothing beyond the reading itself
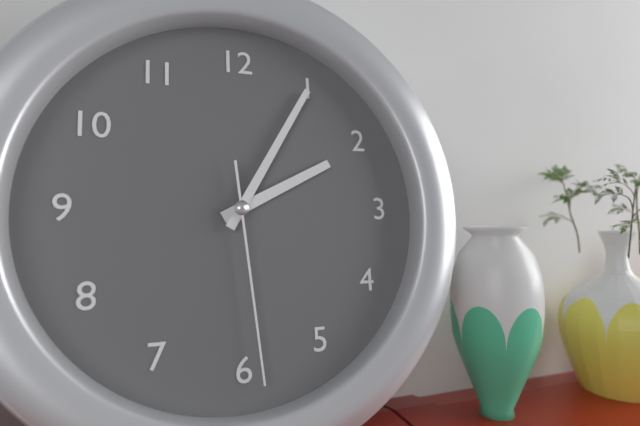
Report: 2:05:29
